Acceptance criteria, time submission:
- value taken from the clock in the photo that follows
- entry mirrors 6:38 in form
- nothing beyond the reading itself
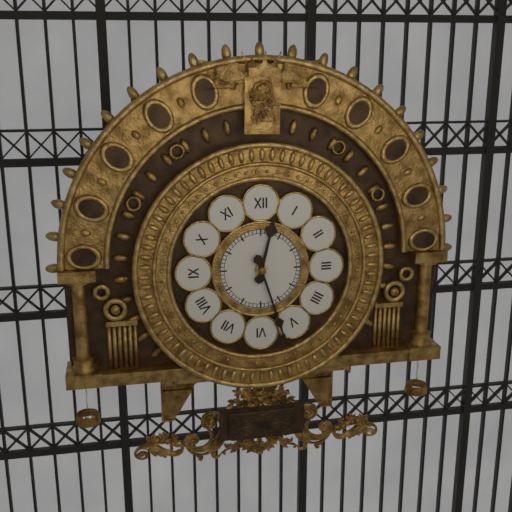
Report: 12:27
